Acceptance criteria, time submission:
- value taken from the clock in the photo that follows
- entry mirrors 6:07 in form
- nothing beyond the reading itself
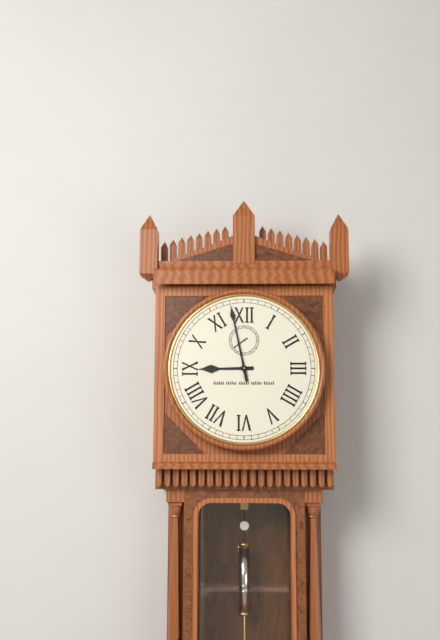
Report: 8:58
